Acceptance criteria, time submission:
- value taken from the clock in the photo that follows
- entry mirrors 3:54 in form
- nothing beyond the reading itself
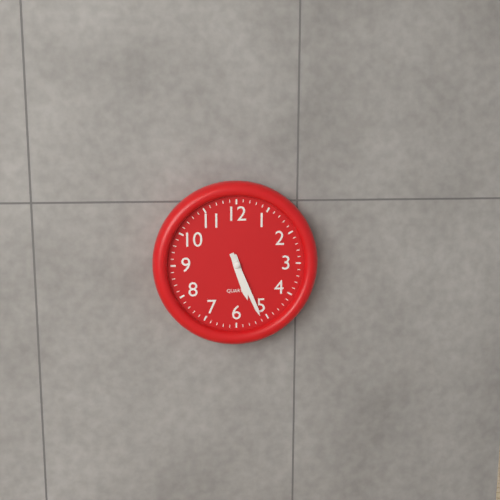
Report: 5:26
